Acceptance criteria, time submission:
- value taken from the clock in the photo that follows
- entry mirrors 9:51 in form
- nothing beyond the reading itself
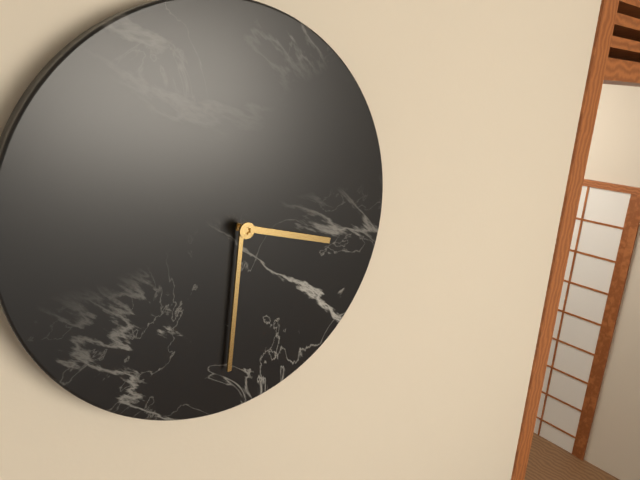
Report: 3:31
